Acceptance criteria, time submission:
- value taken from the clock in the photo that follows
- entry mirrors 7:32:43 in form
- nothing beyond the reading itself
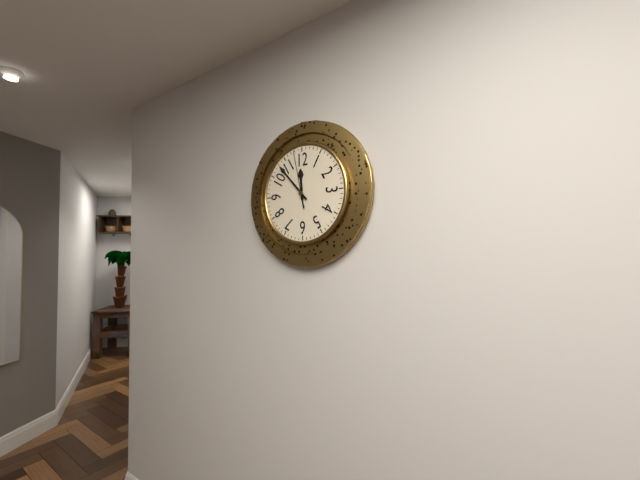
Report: 11:53:58
